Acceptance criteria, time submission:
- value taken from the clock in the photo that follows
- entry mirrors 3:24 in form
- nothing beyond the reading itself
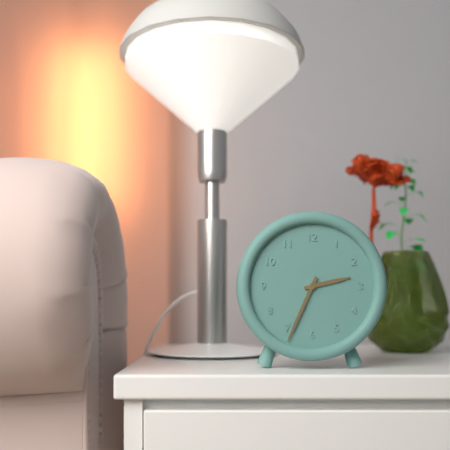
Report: 2:34
